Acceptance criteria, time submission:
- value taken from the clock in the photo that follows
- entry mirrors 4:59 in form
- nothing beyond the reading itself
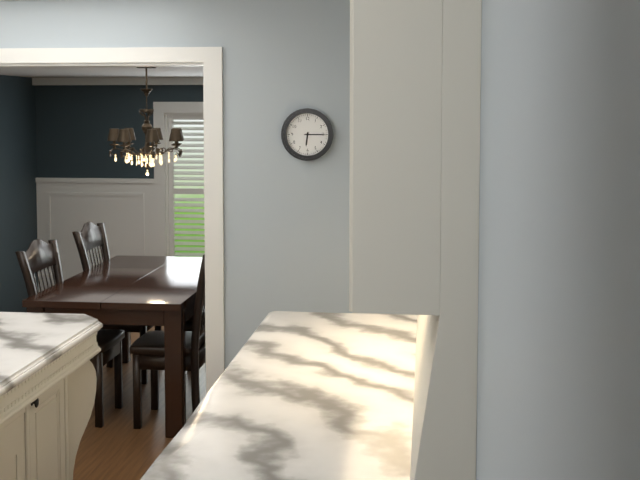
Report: 6:15
